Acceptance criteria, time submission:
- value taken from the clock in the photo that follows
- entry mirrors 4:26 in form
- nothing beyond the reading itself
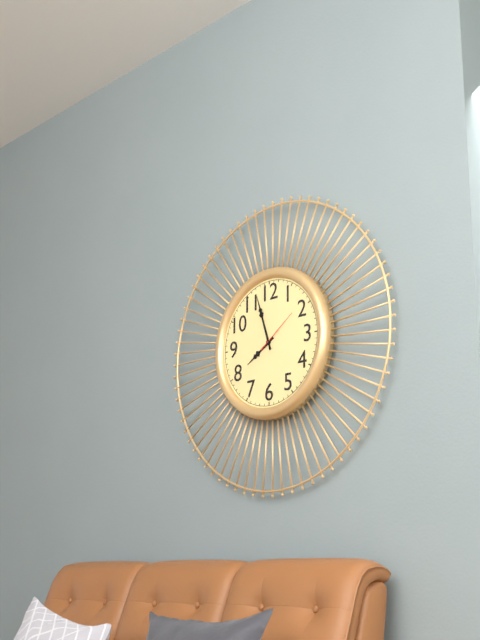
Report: 7:57
